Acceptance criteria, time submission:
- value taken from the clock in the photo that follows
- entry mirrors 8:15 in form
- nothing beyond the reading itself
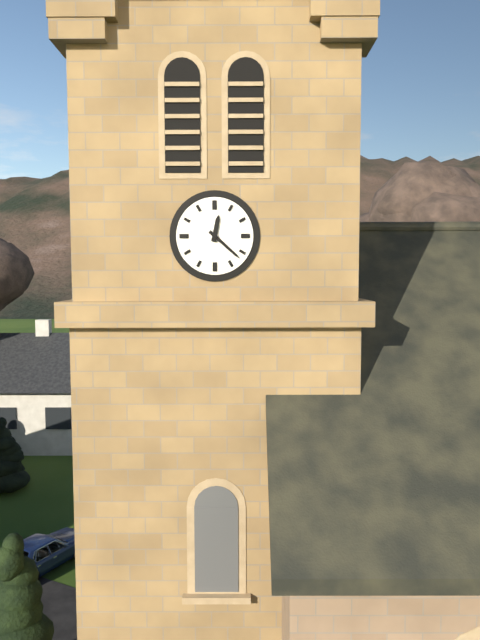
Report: 12:22
